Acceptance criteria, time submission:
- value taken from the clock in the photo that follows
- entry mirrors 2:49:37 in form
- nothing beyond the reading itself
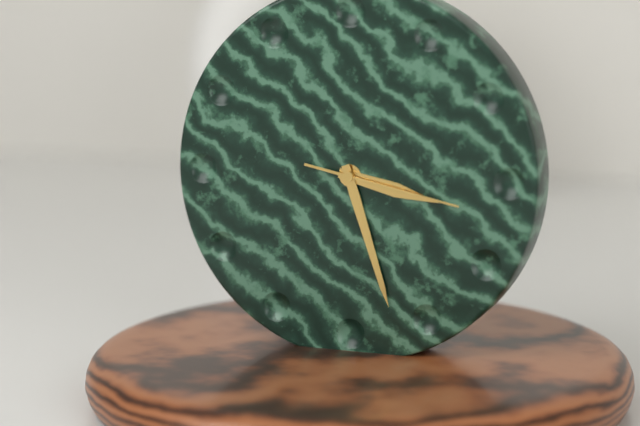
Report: 3:27:17
